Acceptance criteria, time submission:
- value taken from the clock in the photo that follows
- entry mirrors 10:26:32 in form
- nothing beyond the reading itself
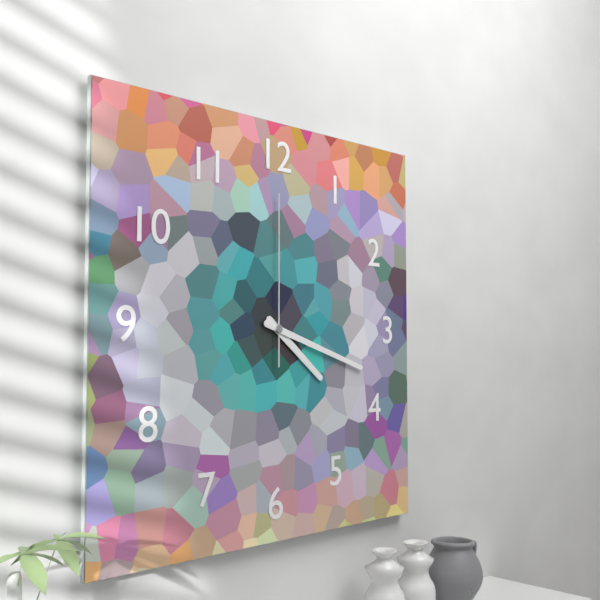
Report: 4:18:00
